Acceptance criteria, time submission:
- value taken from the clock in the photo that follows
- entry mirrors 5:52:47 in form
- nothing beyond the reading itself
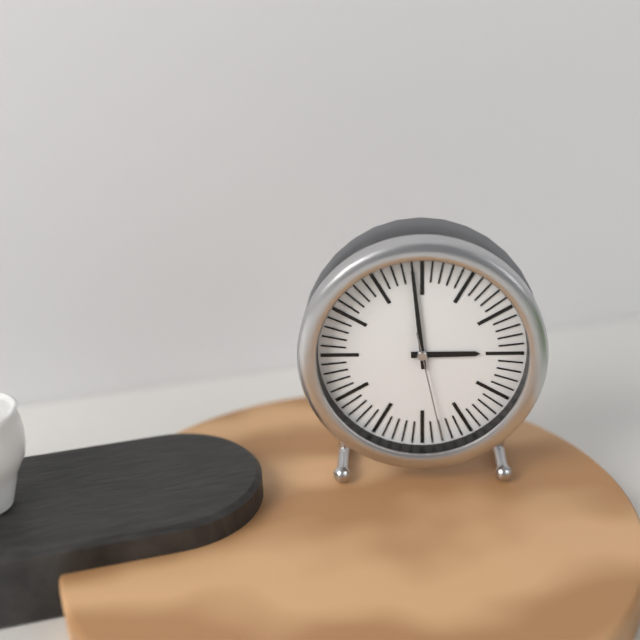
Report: 2:59:28
